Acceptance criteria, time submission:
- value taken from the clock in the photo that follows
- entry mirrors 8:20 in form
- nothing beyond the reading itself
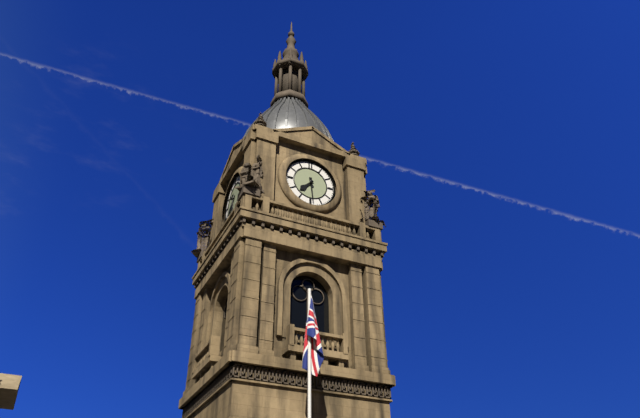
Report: 7:29
